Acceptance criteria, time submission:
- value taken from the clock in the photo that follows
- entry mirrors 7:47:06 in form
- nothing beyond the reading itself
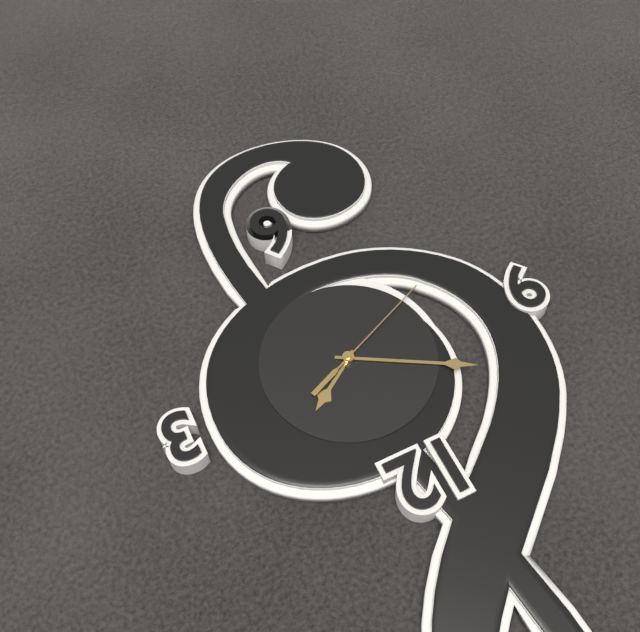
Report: 1:50:41
